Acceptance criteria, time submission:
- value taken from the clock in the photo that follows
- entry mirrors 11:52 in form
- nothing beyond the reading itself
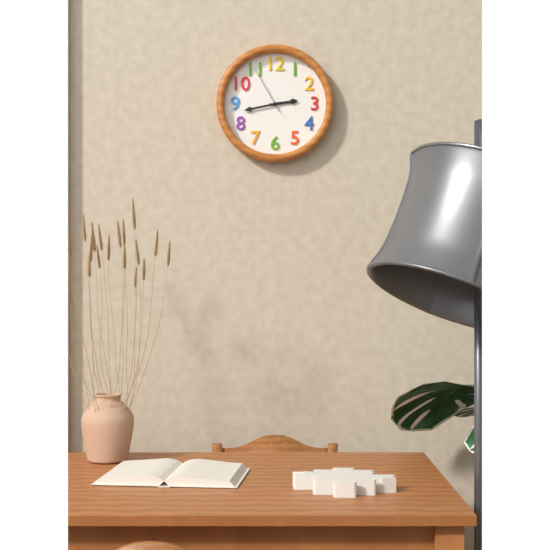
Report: 2:43
